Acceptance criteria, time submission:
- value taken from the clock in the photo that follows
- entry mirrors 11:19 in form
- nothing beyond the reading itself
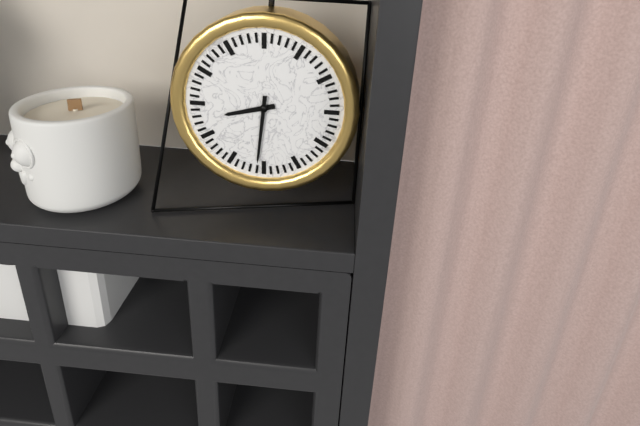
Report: 8:31
